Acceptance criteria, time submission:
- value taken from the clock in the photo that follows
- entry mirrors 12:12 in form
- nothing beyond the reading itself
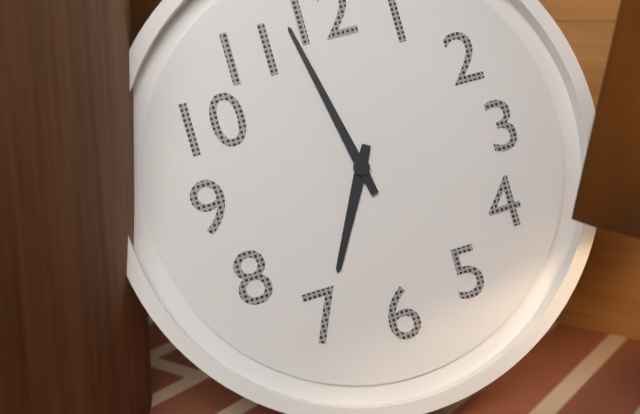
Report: 6:58
